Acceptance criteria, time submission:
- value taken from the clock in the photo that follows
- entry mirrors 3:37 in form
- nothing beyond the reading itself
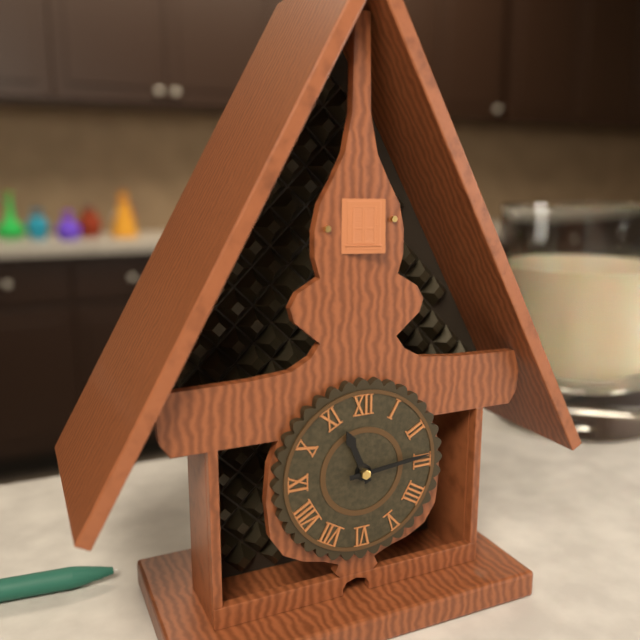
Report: 11:14
